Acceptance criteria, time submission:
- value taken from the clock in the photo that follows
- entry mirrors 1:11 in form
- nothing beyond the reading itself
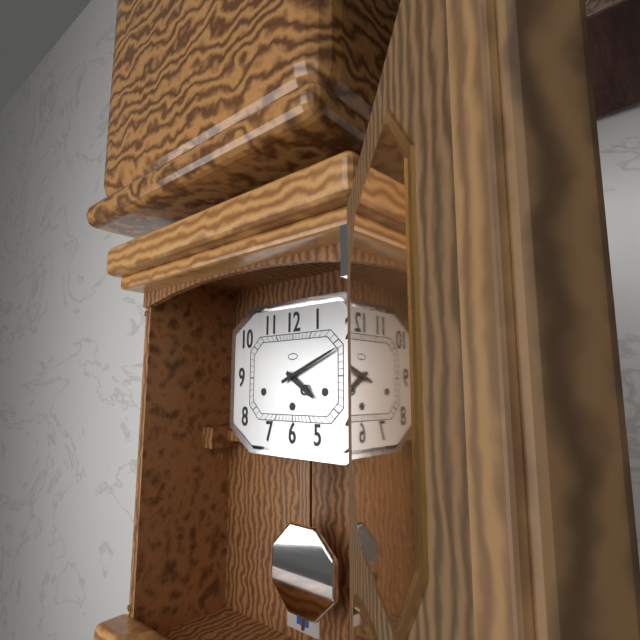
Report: 4:11
